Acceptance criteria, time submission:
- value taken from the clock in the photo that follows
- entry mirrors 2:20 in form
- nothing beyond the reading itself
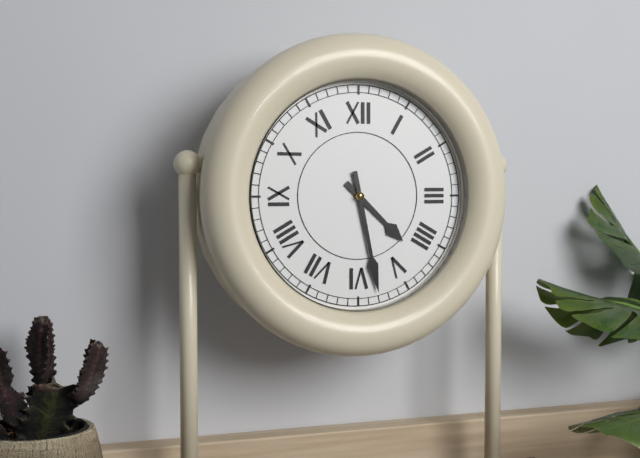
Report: 4:28
